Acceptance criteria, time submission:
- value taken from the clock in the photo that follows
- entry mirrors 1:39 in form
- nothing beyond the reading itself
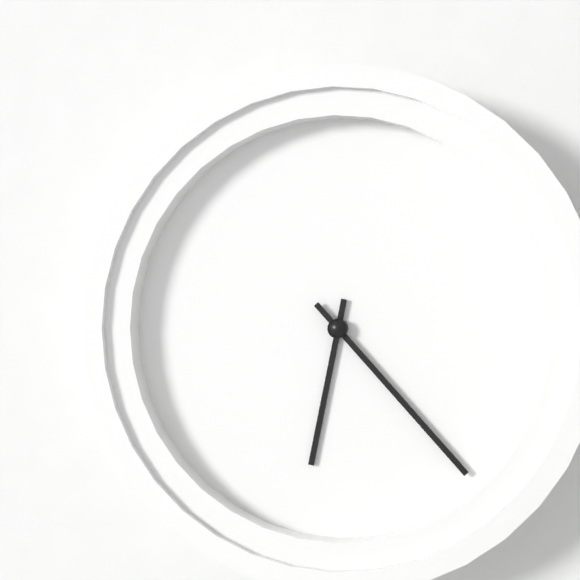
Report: 6:23
